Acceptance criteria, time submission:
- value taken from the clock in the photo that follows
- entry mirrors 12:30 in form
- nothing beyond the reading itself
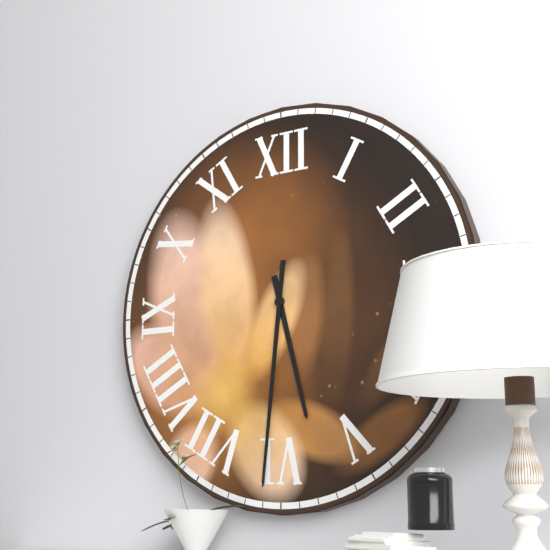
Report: 5:31
